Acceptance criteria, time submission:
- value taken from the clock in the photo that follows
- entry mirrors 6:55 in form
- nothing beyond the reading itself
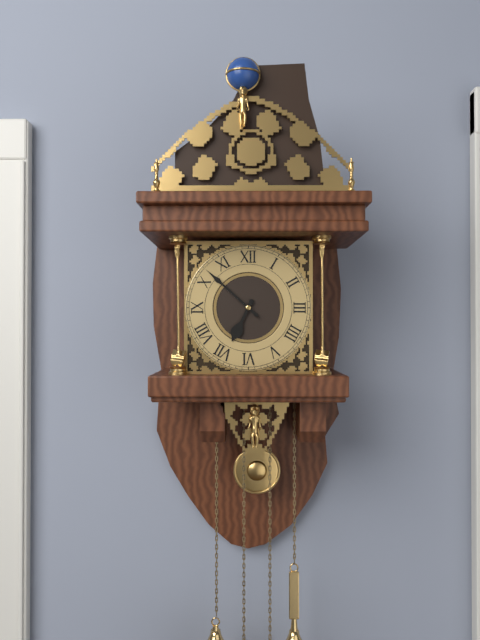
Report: 6:52
